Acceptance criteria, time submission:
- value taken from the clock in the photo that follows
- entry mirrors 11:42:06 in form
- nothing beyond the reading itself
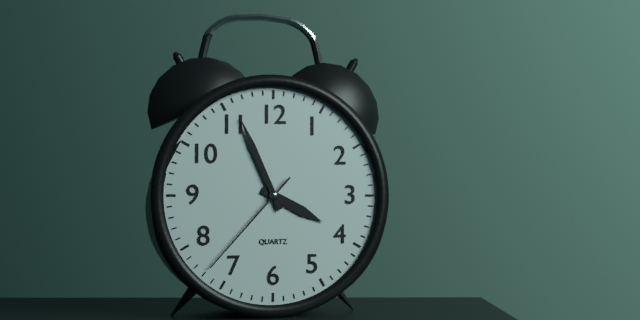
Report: 3:56:37
